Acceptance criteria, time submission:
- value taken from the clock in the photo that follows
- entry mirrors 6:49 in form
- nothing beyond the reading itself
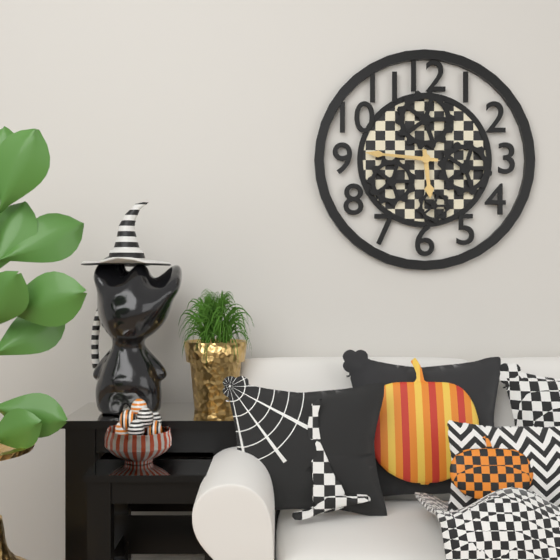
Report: 5:46
